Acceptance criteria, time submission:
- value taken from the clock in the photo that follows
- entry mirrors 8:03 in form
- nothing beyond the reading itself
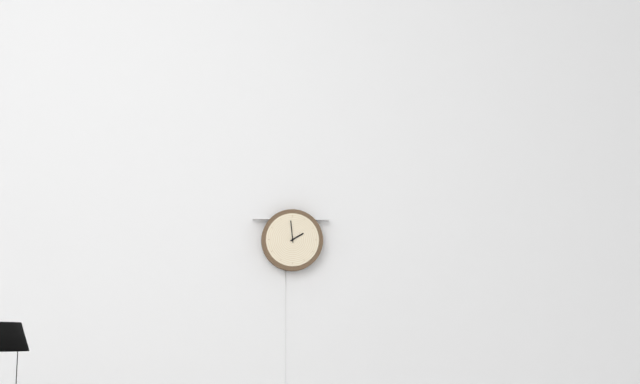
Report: 1:59
